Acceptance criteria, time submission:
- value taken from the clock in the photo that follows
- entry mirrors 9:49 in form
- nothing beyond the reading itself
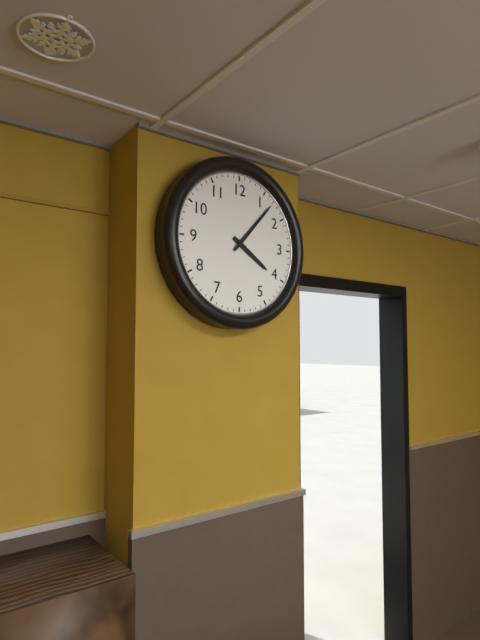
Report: 4:07
